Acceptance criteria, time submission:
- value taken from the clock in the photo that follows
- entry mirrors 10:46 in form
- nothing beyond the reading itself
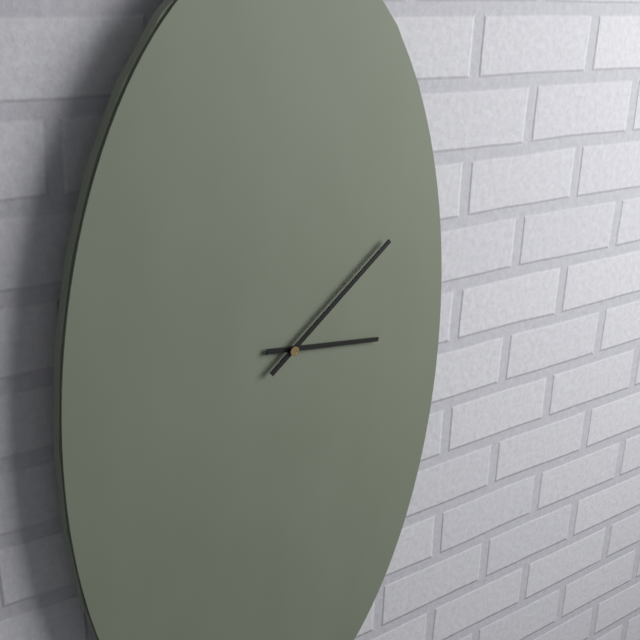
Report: 3:08
